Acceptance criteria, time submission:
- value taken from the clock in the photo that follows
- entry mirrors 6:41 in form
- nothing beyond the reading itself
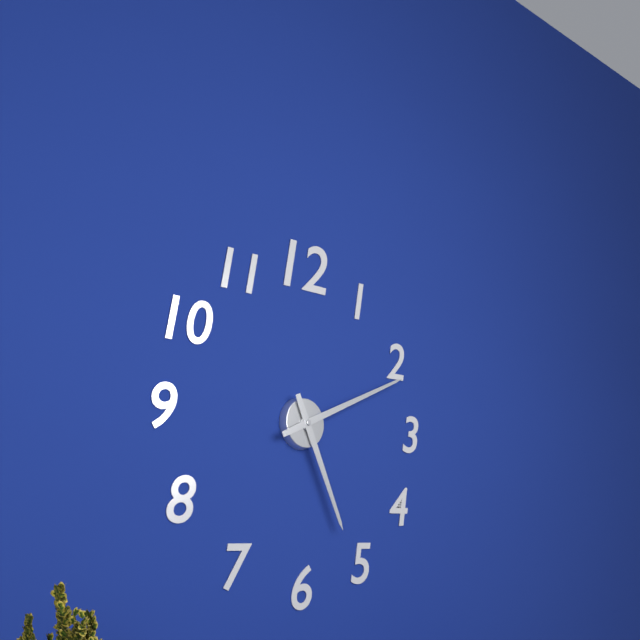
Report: 5:11
